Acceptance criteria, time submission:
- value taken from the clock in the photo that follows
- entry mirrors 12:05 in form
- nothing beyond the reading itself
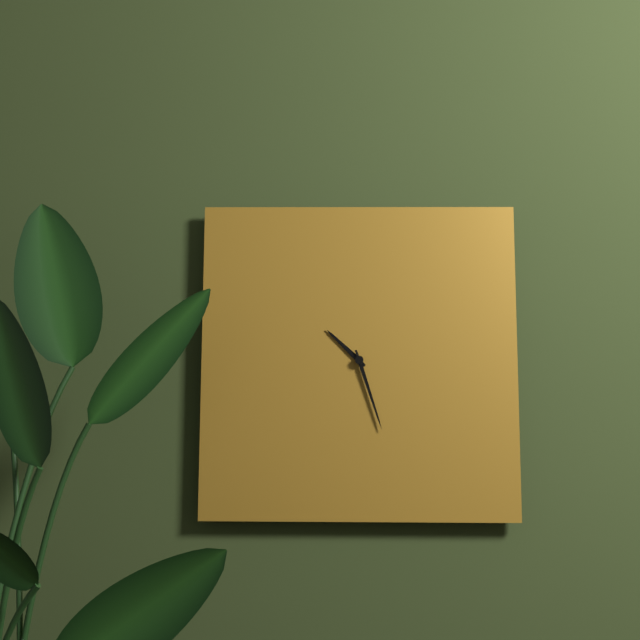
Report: 10:27
